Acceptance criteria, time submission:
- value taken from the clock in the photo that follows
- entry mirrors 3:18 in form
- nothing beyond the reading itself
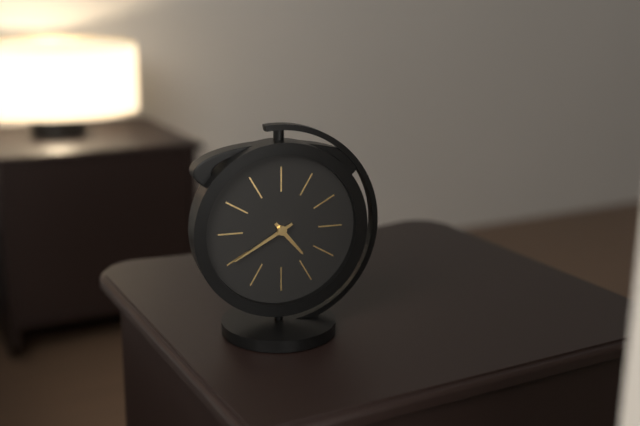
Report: 4:40
